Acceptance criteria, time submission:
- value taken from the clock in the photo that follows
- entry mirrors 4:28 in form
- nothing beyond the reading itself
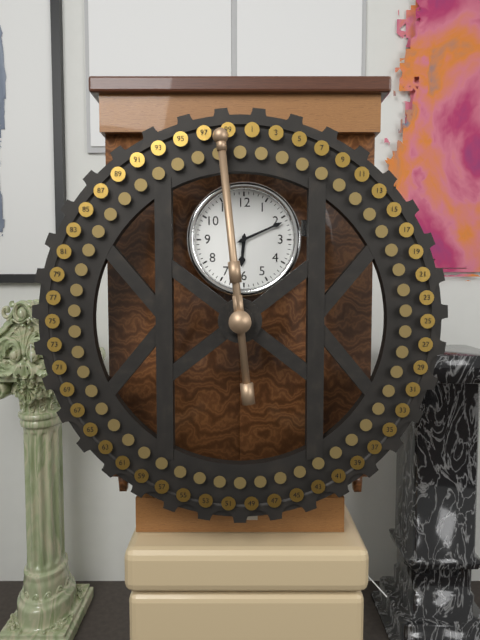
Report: 6:11
